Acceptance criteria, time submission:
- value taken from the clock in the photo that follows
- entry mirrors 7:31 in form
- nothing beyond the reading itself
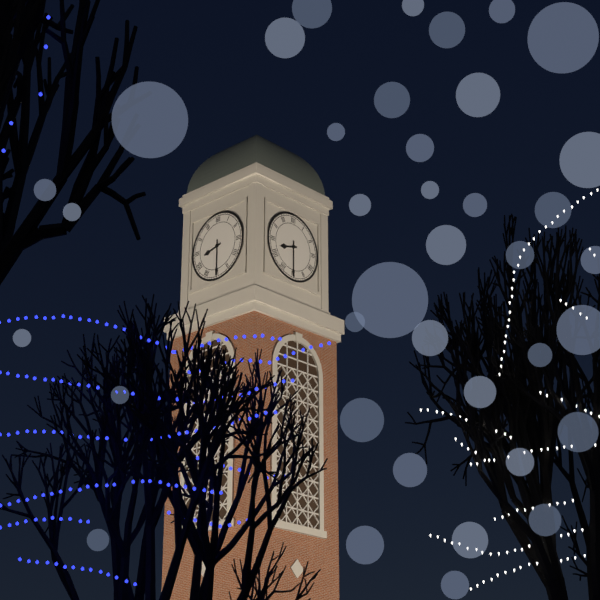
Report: 8:30
